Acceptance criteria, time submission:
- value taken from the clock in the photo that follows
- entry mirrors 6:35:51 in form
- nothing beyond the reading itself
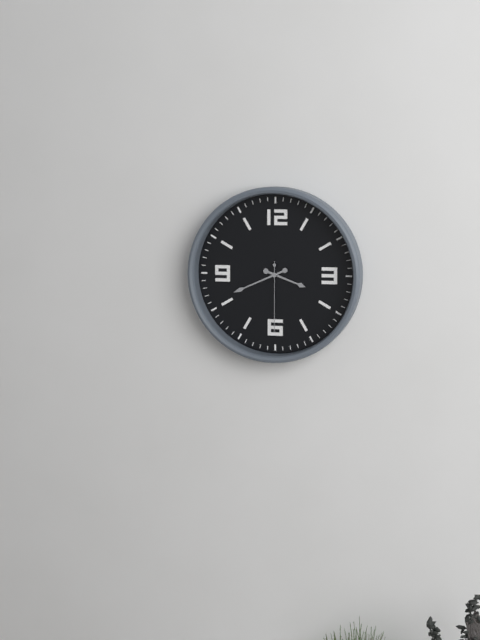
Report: 3:41:30
